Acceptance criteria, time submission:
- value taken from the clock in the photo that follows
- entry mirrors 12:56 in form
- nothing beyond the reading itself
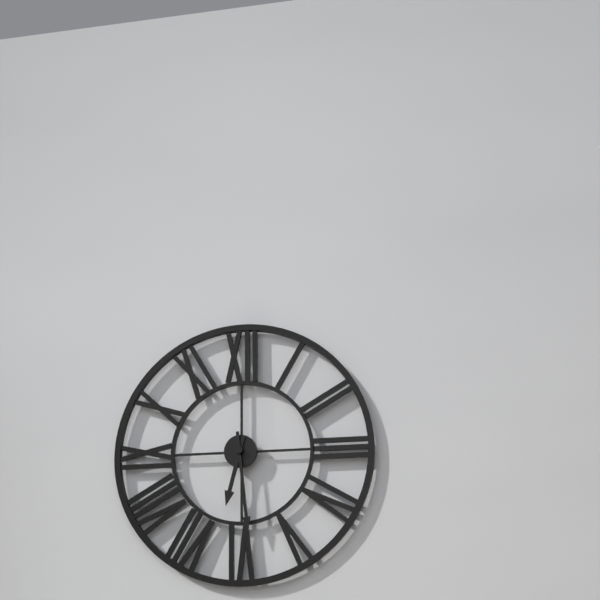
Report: 6:29
